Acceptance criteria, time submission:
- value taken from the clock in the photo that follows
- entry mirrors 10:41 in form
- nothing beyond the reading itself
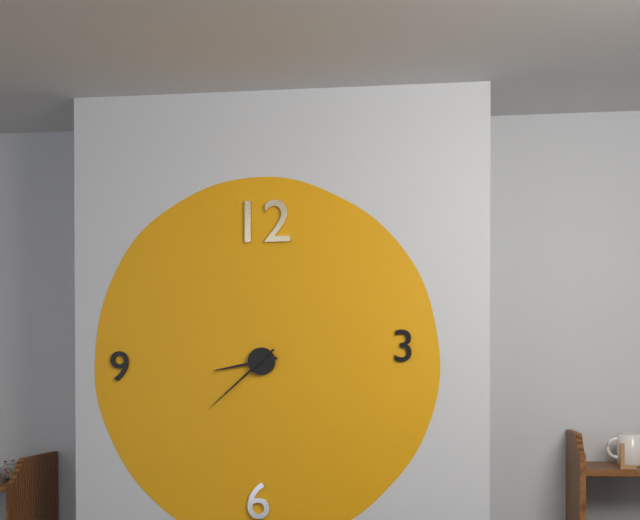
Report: 8:38
